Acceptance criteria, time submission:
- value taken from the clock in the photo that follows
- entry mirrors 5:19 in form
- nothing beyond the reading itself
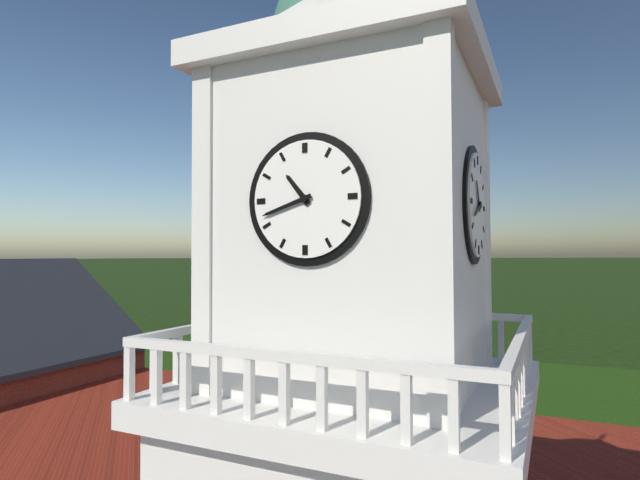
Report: 10:42
